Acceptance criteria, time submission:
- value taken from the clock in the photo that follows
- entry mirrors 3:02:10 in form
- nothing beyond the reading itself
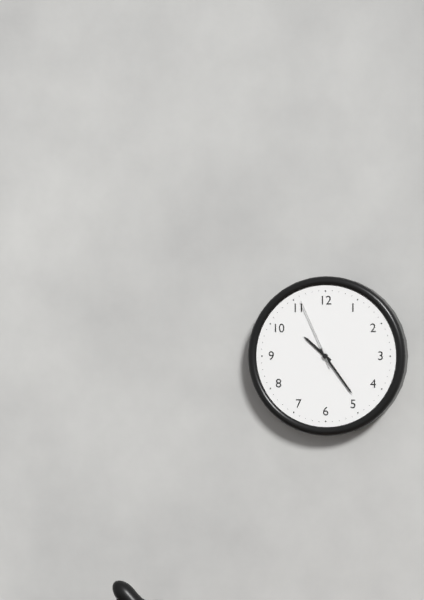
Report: 10:24:56
